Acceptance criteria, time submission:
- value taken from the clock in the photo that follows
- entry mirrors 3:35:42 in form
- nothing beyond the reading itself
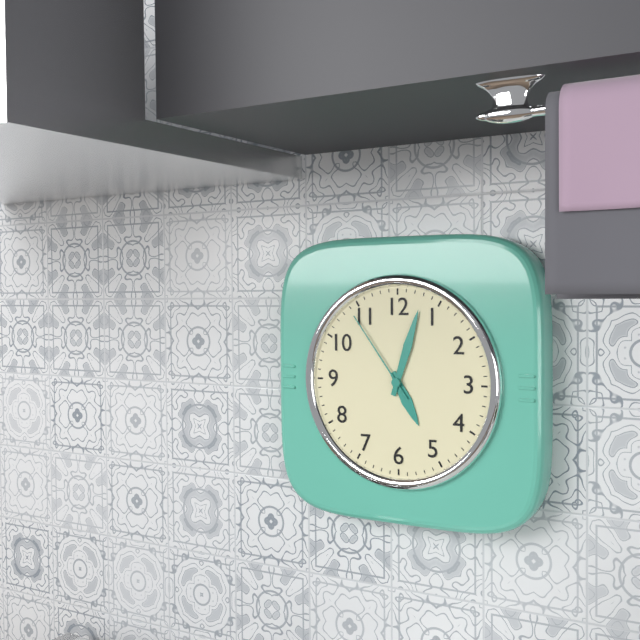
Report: 5:03:54
